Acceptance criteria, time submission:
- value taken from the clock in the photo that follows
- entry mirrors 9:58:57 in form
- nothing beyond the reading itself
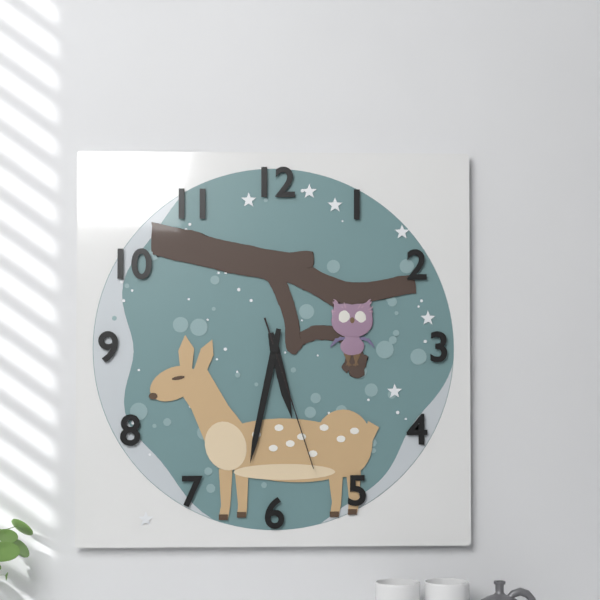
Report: 5:32:27
